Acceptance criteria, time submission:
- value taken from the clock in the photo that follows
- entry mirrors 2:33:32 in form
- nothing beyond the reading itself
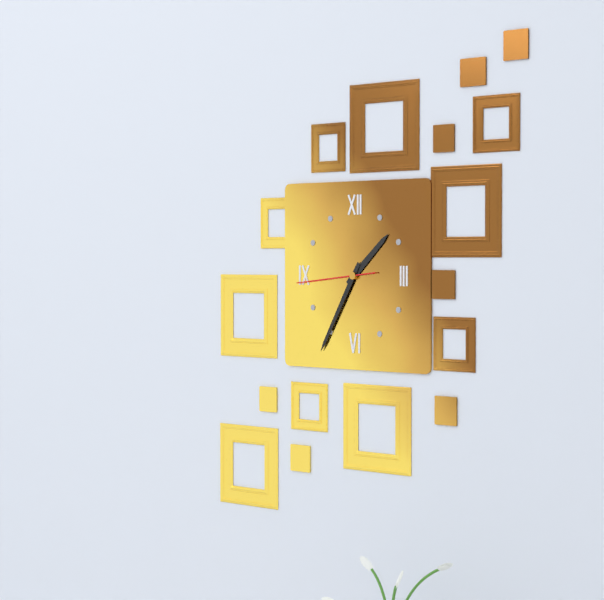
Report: 1:35:44
